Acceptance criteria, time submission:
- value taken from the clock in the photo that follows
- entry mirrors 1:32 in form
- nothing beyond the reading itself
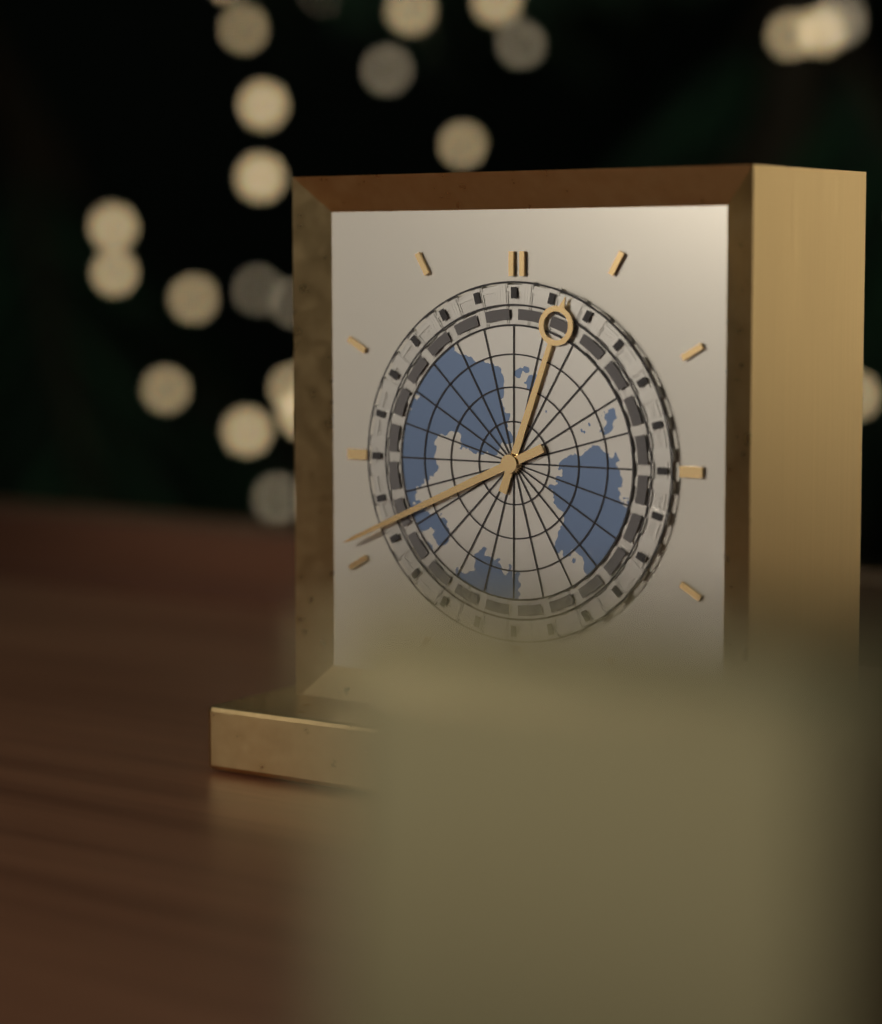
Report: 12:41
